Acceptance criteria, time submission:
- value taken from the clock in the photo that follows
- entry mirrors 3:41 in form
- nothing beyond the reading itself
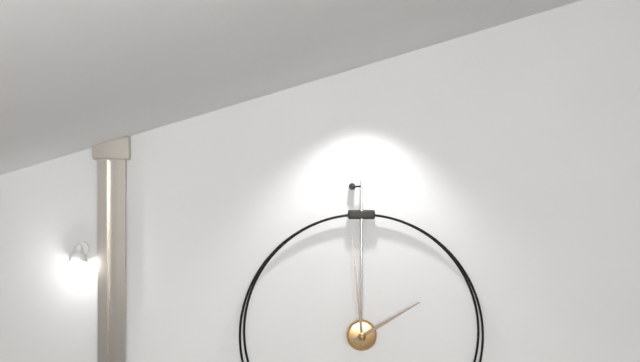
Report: 1:59
